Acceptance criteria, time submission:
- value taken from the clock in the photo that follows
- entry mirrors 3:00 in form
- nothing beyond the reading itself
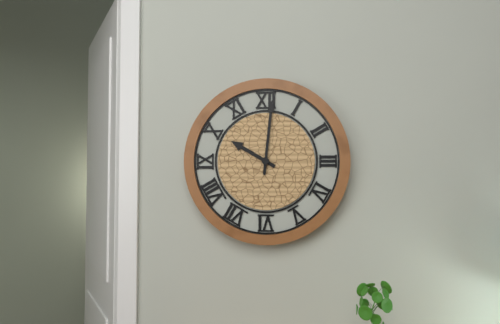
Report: 10:01
